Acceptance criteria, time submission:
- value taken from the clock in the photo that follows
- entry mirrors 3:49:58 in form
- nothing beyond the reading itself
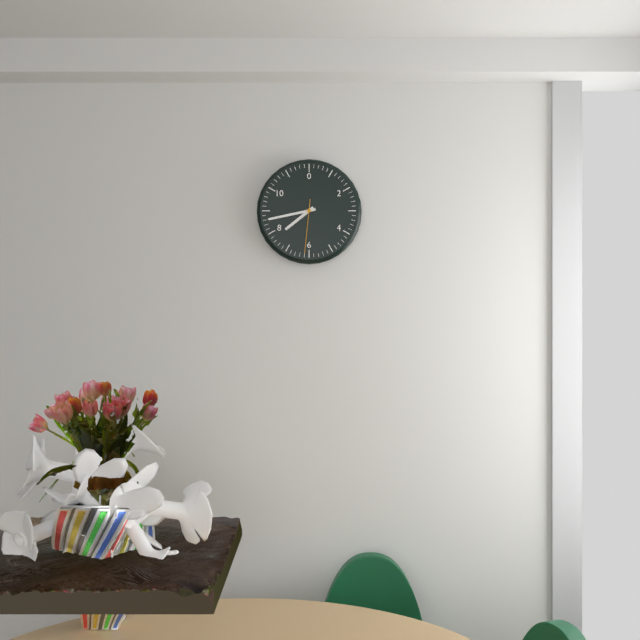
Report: 7:43:31
